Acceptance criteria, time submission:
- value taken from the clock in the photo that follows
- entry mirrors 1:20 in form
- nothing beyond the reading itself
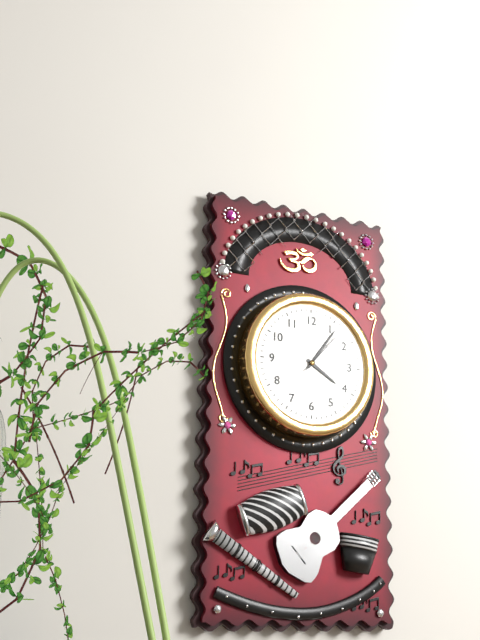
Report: 4:06
